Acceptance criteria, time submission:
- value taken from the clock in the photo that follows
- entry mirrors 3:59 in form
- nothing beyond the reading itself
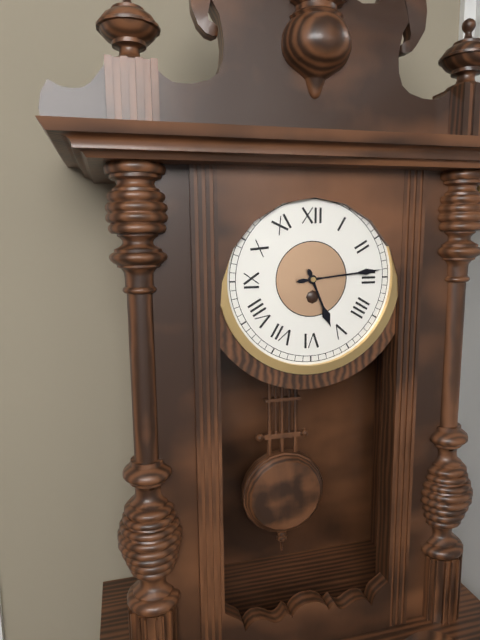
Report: 5:14
